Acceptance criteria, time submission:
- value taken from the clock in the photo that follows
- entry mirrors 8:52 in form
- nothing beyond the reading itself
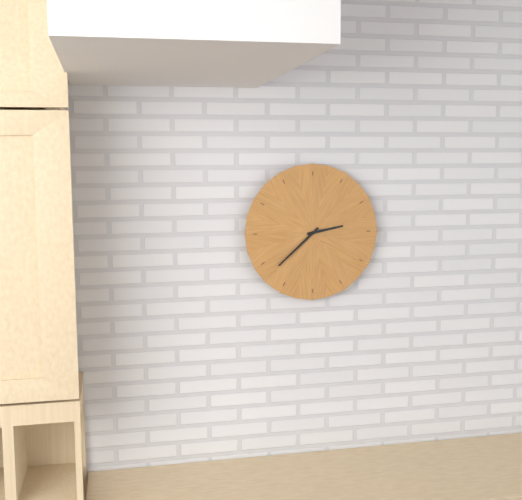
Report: 2:38
